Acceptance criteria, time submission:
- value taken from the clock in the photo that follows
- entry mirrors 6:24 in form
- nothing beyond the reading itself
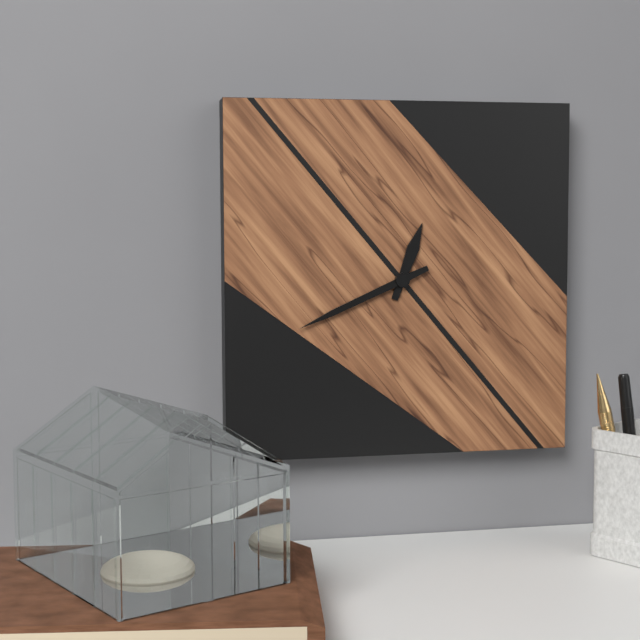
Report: 12:41
